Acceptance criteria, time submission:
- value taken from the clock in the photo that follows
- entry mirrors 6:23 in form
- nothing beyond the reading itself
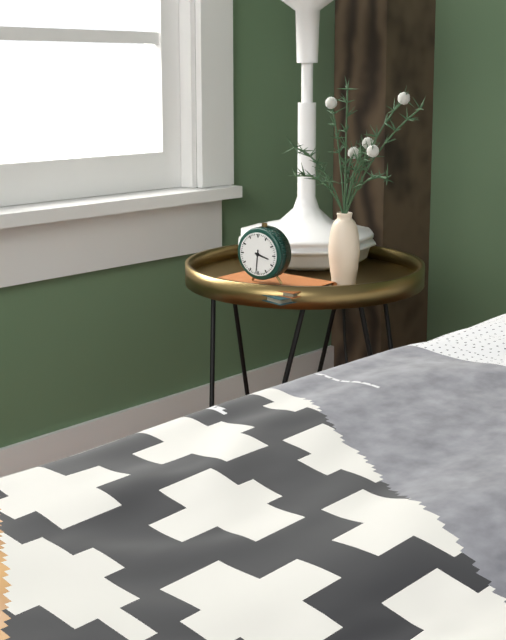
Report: 3:31
